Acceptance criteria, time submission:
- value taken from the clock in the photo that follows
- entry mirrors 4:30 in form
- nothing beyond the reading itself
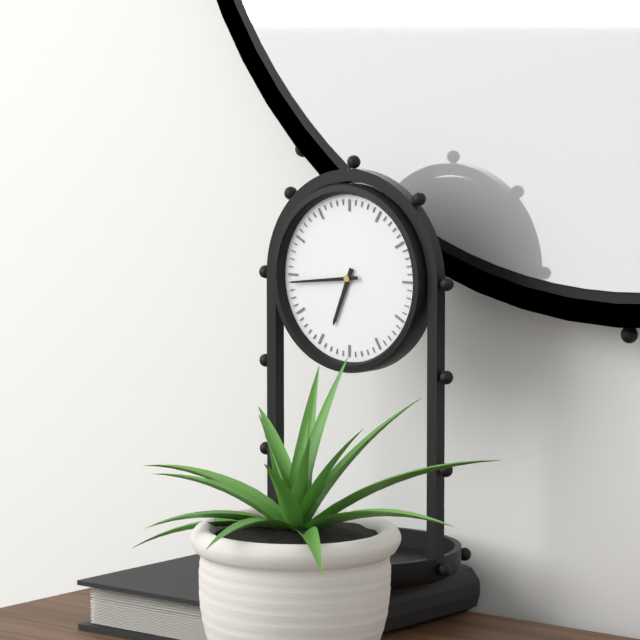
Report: 6:44
